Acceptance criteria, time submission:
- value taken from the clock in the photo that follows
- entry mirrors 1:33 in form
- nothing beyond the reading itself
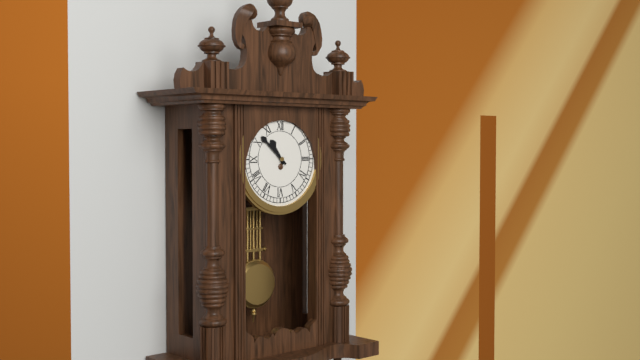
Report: 10:52
